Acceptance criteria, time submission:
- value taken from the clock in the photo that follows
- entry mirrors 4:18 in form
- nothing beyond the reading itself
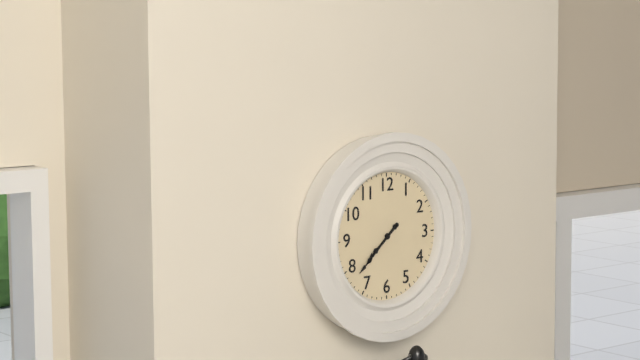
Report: 7:38
